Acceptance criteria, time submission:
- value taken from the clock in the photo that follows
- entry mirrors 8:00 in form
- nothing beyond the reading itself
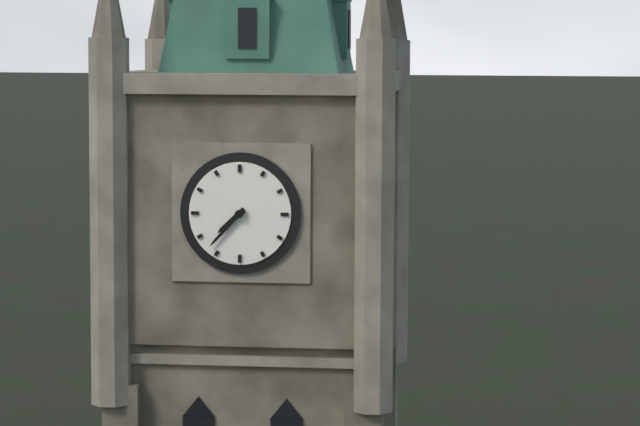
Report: 7:37
